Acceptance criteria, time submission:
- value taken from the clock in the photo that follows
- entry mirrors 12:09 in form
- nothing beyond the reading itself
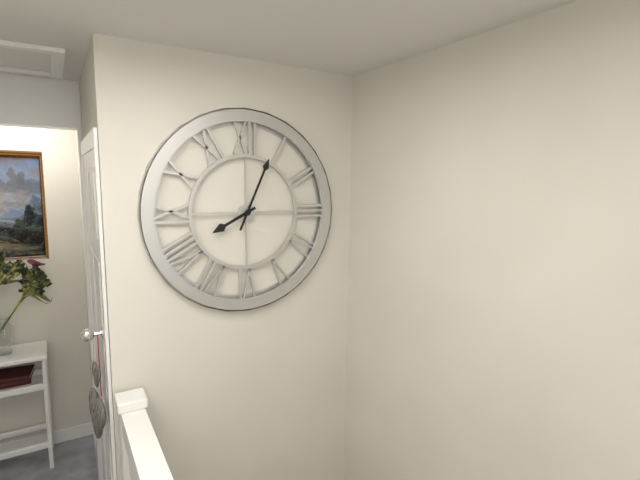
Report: 8:04
